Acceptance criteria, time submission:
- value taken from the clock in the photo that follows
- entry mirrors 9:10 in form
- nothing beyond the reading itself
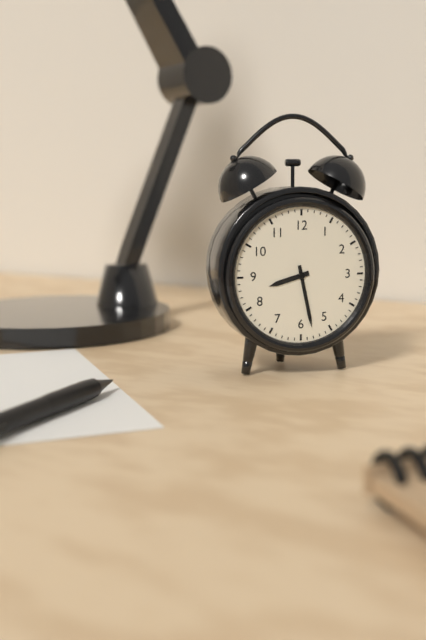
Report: 8:28
